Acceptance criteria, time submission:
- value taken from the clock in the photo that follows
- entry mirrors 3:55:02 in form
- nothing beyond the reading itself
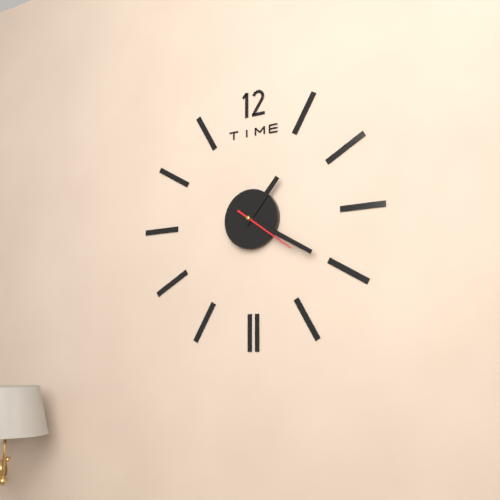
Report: 1:20:21
